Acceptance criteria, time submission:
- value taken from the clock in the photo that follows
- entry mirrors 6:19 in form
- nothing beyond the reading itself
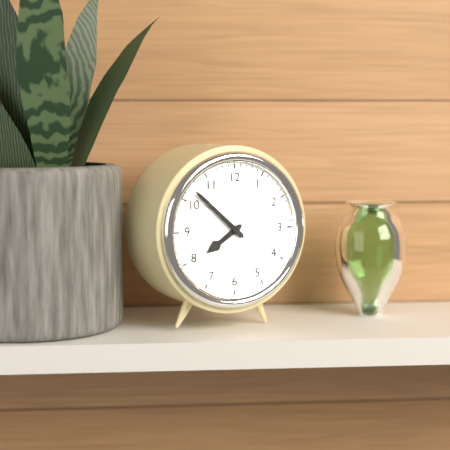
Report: 7:52
